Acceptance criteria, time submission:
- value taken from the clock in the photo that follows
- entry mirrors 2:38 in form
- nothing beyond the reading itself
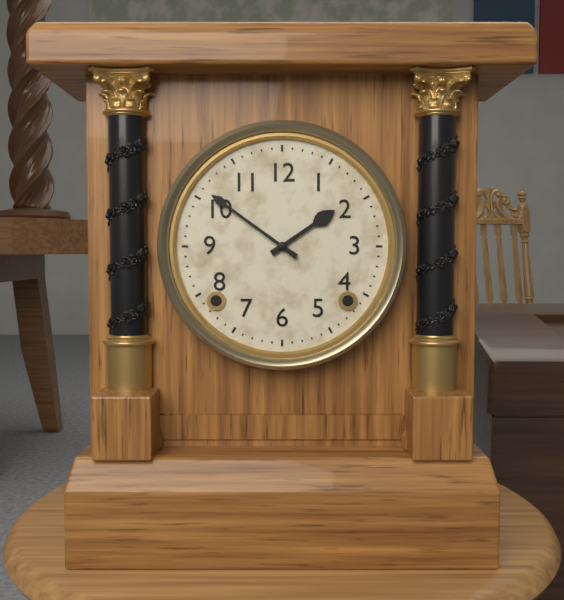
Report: 1:51
